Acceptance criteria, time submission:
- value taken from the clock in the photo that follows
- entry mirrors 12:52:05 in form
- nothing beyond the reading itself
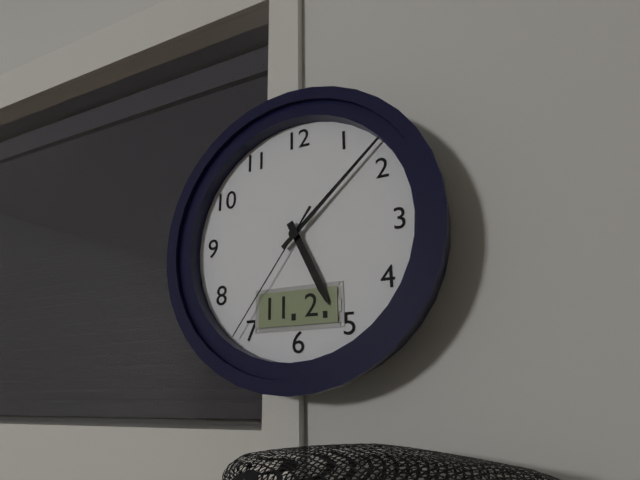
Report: 5:08:36
